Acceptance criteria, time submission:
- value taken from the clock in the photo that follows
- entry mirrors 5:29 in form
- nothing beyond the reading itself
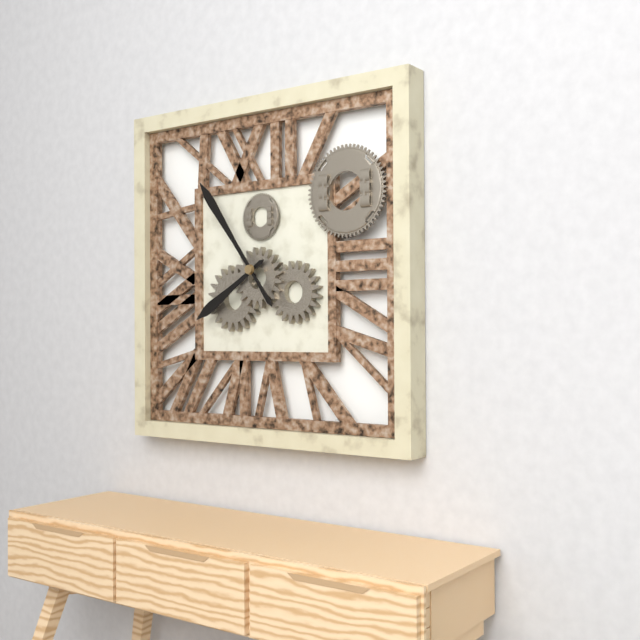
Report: 7:54
